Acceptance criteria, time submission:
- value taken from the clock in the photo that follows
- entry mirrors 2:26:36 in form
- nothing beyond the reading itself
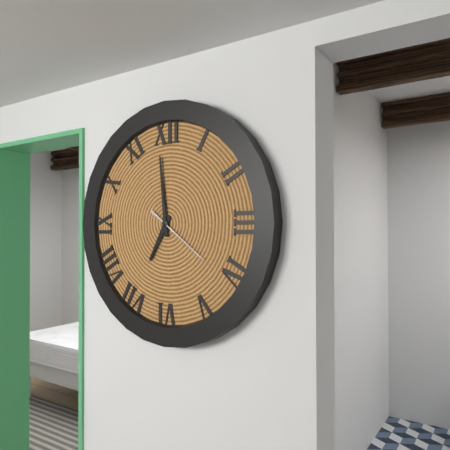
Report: 6:59:21
